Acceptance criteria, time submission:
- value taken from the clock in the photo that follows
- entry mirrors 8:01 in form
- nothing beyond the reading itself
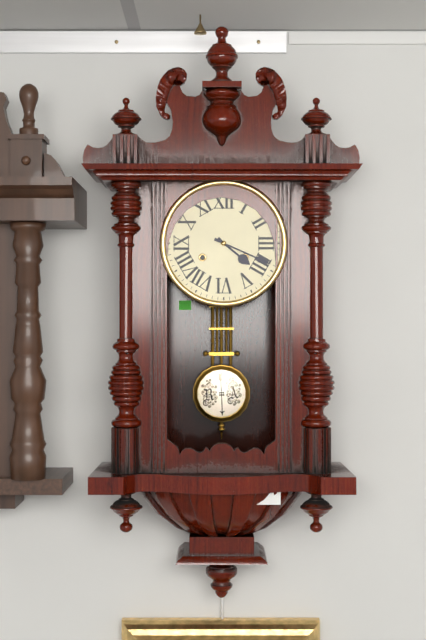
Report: 4:19
